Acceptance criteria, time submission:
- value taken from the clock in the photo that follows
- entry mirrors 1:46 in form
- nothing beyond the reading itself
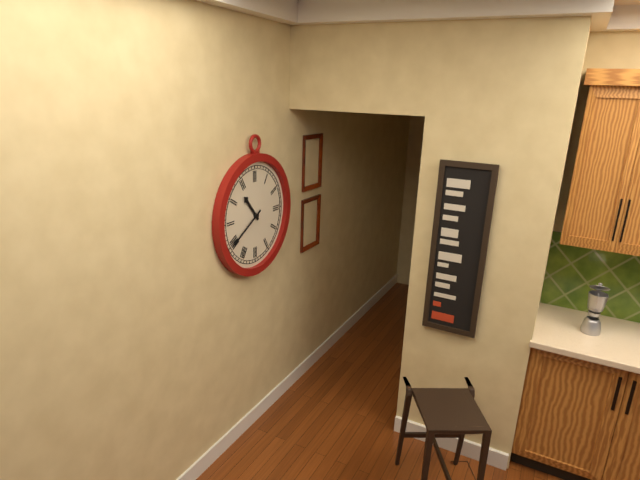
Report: 10:40
